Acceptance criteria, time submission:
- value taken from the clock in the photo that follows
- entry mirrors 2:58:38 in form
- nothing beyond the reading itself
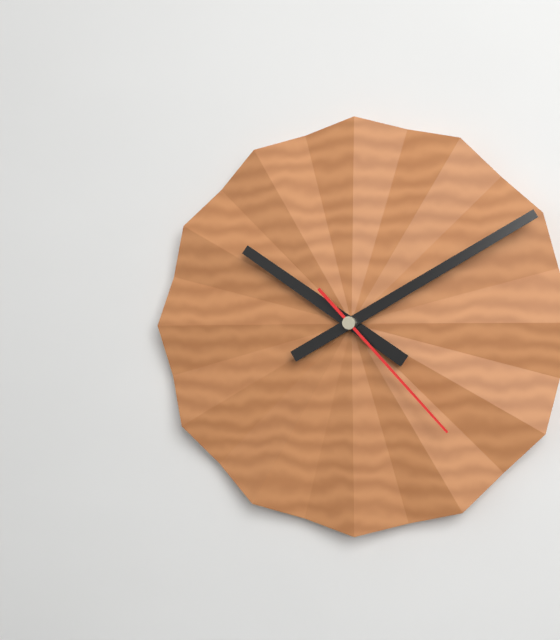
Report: 10:10:23
